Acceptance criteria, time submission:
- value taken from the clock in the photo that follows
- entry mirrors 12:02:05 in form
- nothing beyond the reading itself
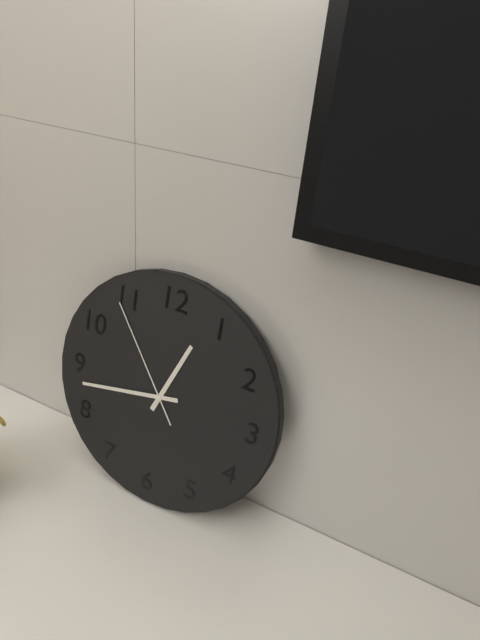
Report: 12:43:54
